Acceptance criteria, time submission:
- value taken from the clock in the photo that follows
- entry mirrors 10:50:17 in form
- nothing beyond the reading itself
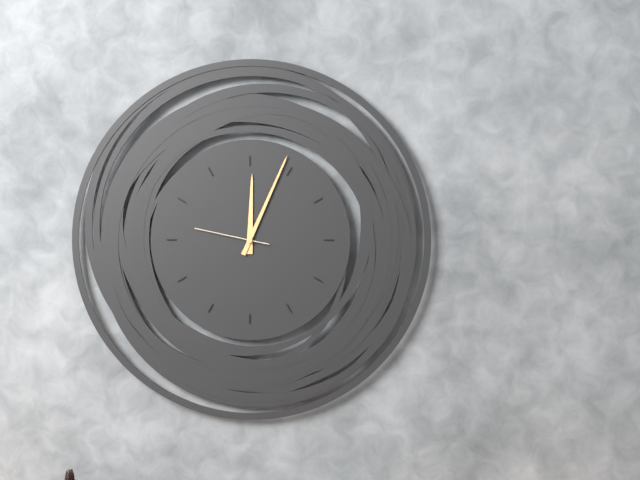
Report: 12:04:47
